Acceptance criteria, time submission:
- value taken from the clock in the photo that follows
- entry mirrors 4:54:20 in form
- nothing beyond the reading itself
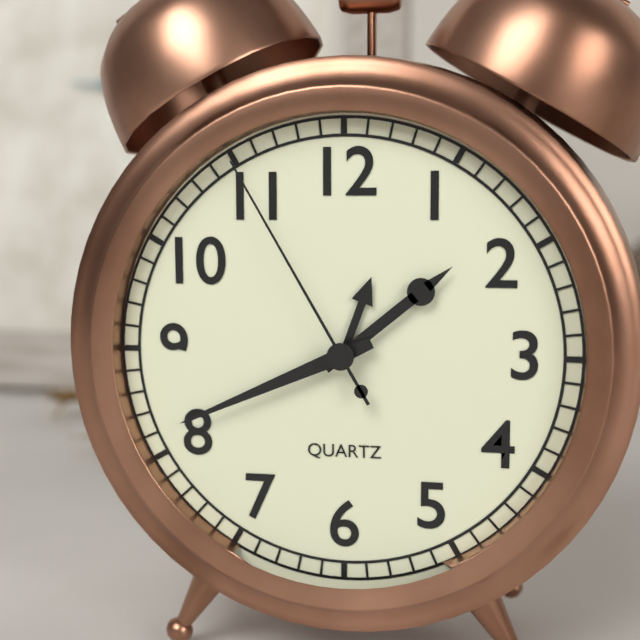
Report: 1:41:55
